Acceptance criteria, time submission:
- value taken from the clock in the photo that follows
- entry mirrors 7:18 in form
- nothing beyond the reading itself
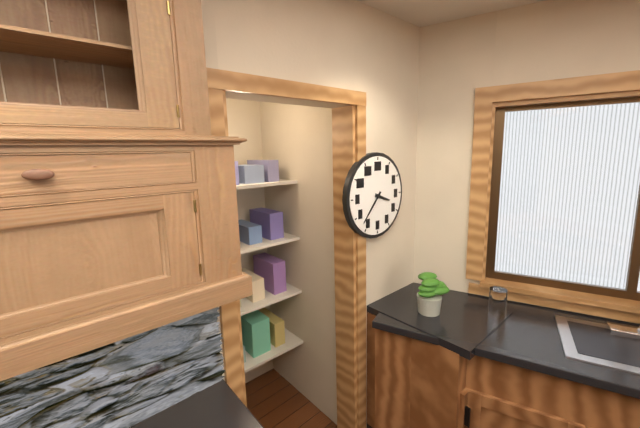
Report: 3:37
